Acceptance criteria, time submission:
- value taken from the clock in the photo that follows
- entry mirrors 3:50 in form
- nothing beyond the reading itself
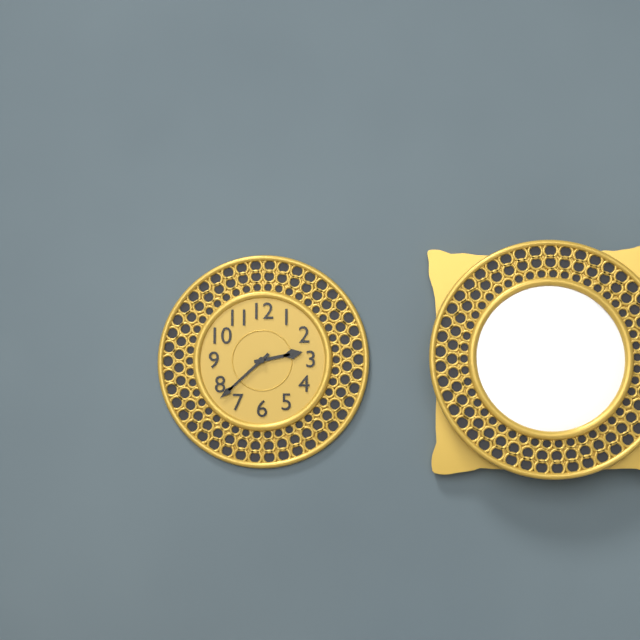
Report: 2:38
